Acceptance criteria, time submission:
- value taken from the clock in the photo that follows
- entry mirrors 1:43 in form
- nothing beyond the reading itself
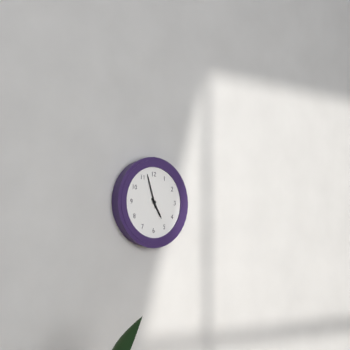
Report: 4:57
